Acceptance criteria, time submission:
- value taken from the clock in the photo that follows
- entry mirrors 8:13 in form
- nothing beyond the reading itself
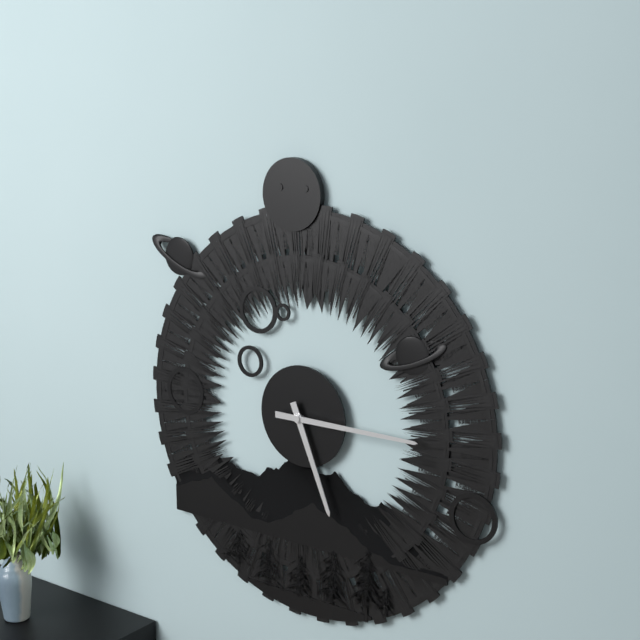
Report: 5:15
